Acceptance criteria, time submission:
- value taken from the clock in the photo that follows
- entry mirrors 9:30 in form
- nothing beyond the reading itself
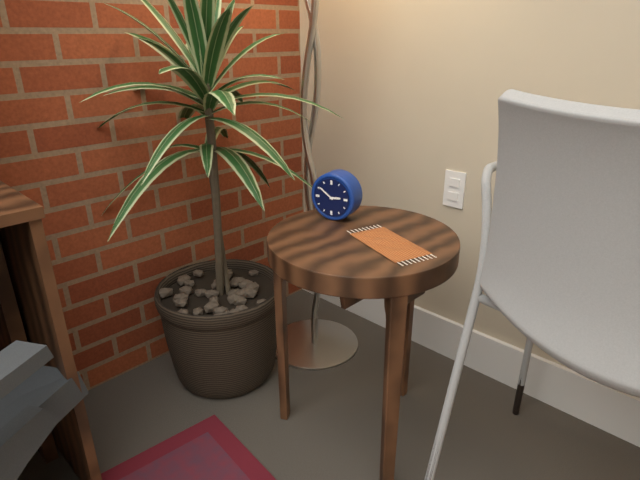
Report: 2:51
